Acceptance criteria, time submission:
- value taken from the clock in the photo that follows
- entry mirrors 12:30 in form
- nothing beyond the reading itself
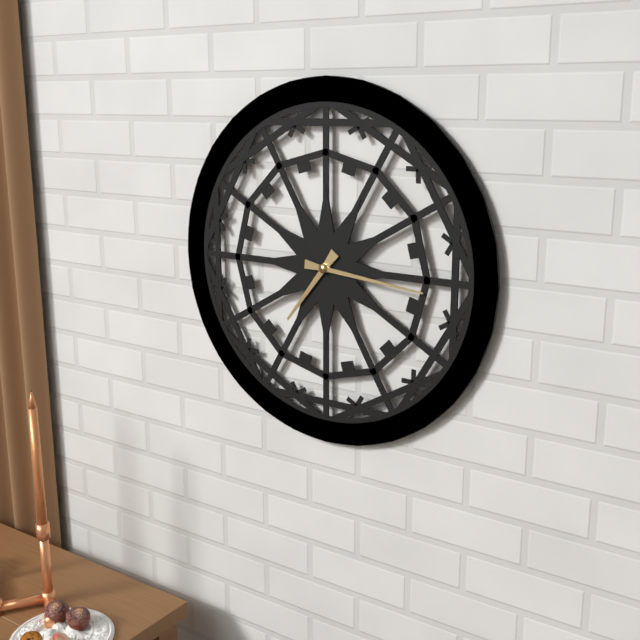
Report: 7:16
